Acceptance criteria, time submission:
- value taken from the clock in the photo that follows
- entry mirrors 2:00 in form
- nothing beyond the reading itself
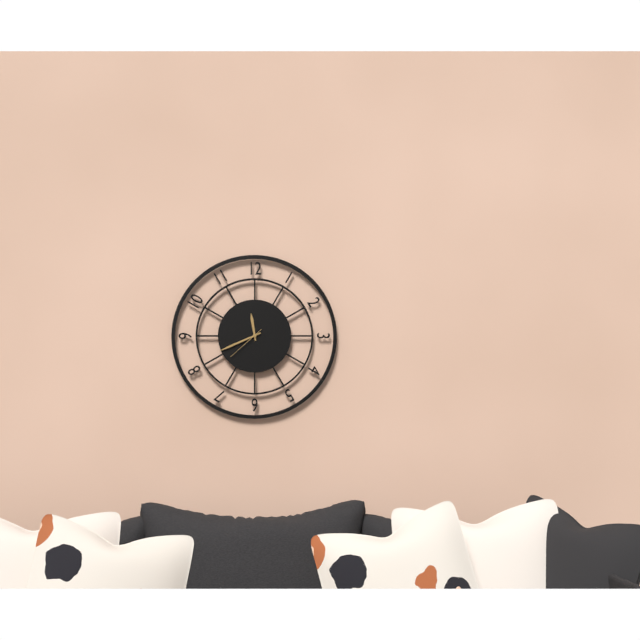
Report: 11:41
